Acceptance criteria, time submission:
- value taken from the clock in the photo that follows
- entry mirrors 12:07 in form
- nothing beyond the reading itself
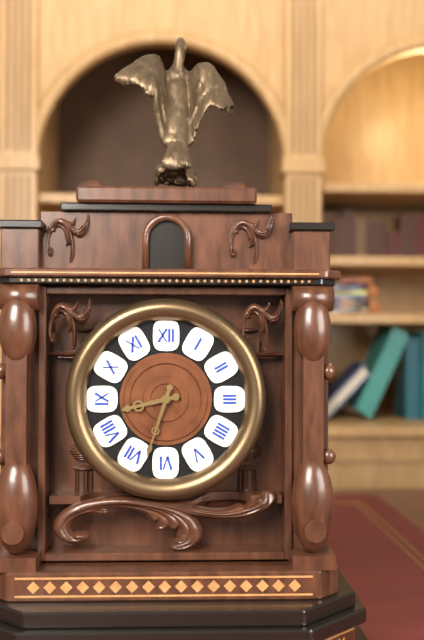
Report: 8:33
